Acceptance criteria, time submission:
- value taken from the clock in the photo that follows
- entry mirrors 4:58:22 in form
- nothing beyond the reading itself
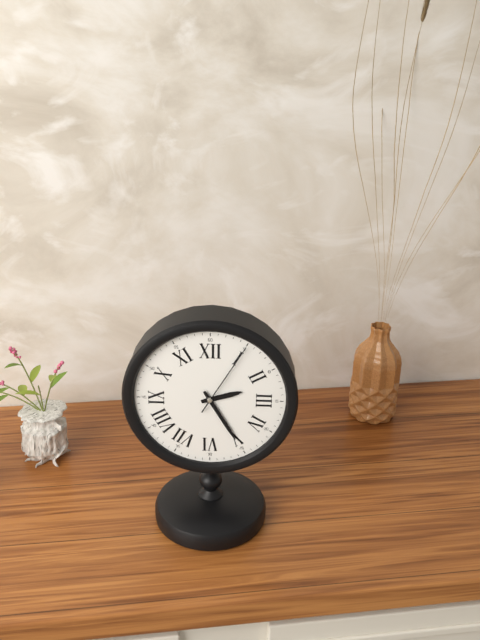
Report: 2:25:05
